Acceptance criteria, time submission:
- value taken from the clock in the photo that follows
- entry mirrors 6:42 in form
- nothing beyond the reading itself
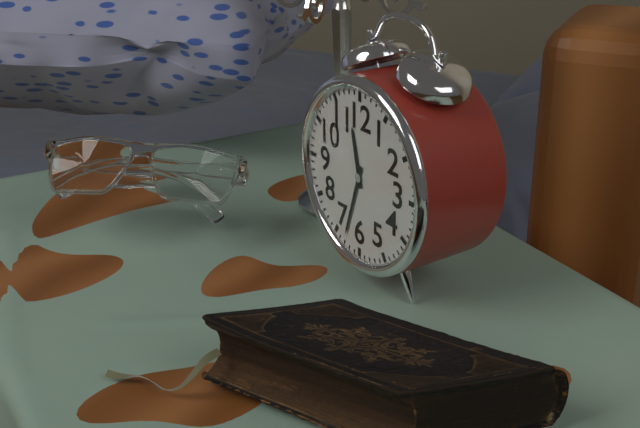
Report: 11:33
